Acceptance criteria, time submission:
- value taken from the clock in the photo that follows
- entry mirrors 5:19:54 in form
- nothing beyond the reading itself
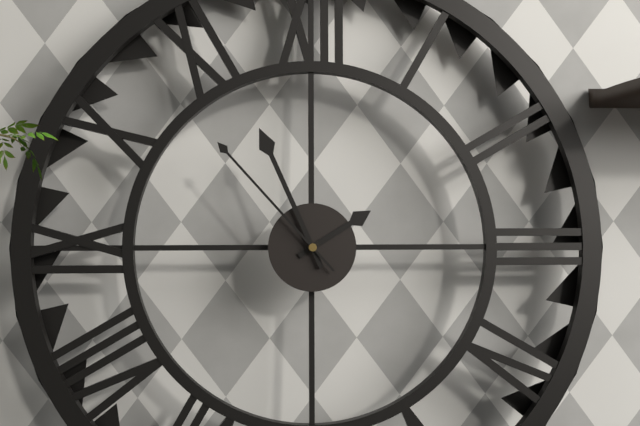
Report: 1:56:53
